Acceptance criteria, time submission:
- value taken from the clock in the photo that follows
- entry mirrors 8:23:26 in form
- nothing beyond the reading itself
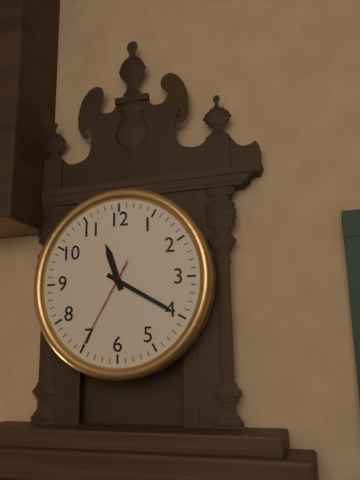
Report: 11:20:35
